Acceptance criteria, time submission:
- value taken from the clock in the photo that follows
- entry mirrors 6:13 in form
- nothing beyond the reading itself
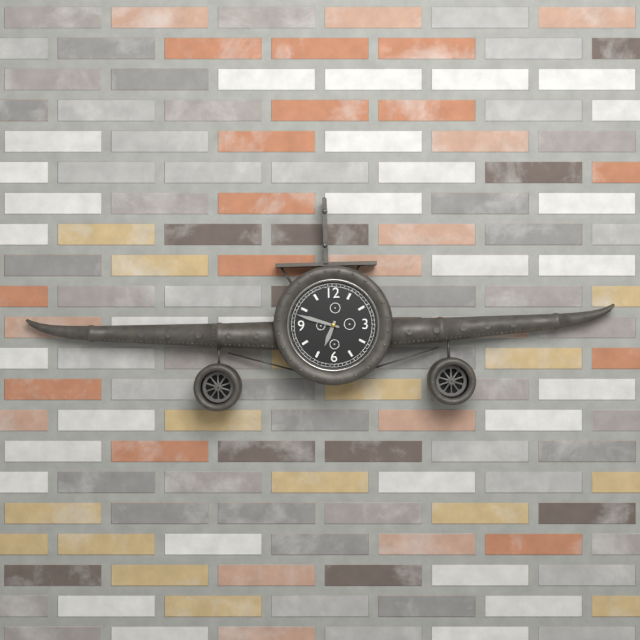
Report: 6:48
